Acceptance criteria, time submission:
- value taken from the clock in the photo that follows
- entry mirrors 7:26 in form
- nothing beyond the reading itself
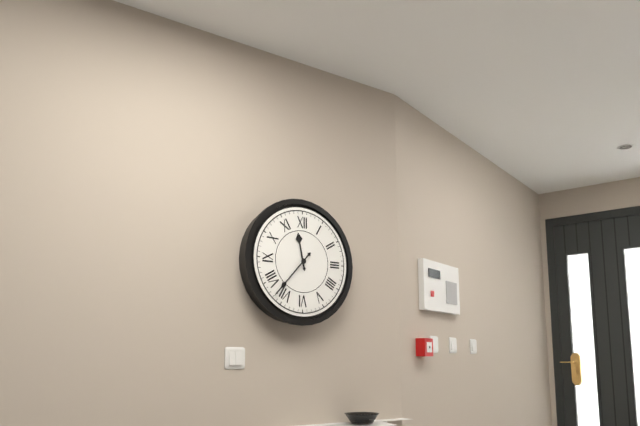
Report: 11:37
